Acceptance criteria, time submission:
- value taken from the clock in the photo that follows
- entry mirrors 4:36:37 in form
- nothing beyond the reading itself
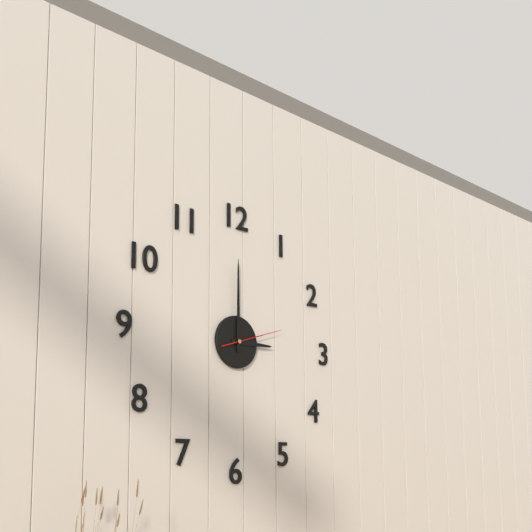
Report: 3:00:12
